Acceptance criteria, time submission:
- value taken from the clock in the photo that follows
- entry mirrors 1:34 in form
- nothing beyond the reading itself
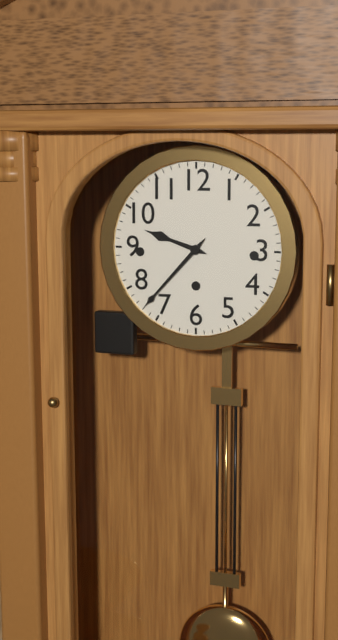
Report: 9:37
